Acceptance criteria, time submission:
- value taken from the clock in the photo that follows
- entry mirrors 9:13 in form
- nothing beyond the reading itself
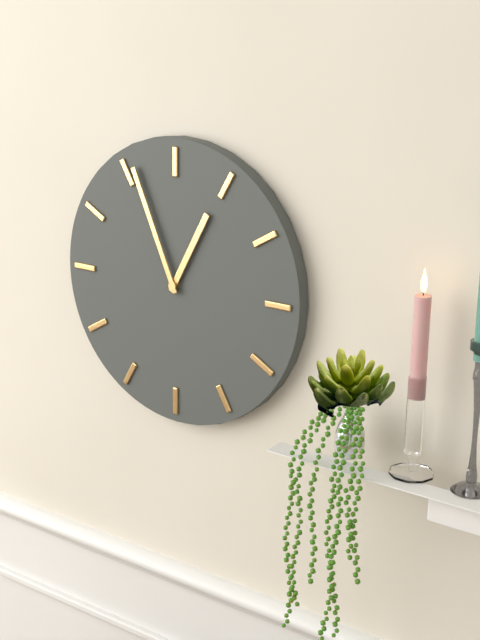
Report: 12:56
